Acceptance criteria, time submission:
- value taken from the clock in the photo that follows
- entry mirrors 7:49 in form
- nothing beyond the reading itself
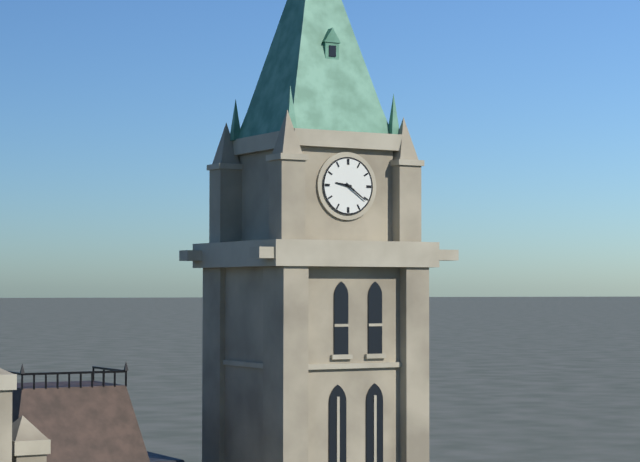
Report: 9:21
